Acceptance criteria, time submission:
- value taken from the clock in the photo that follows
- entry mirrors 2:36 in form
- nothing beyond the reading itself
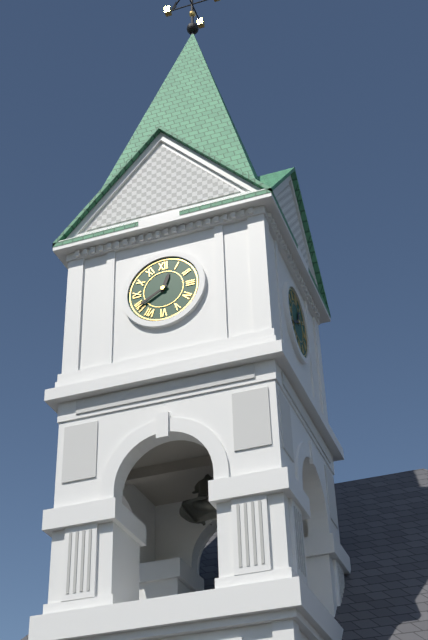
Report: 12:40
